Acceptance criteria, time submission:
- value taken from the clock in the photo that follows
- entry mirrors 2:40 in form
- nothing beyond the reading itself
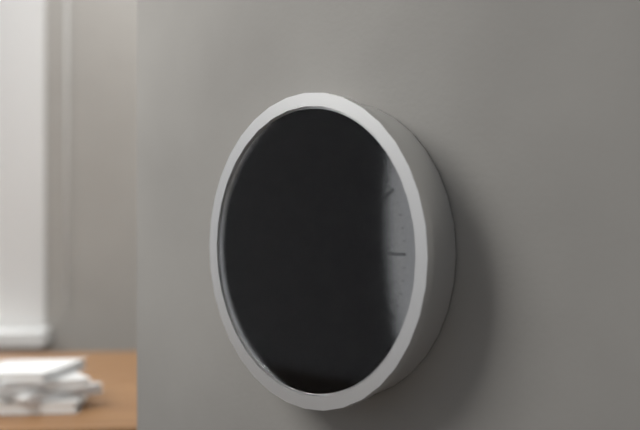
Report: 5:19
